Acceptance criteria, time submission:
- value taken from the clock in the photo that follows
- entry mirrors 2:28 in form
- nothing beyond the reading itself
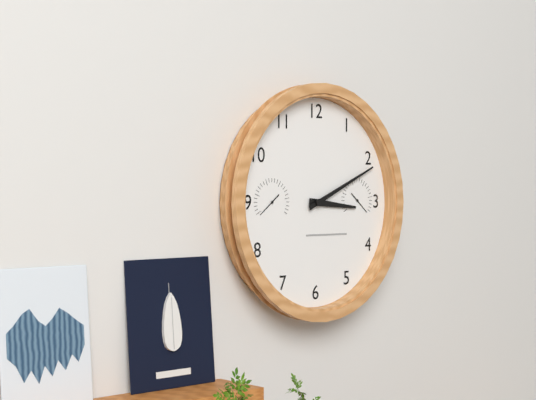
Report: 3:11
